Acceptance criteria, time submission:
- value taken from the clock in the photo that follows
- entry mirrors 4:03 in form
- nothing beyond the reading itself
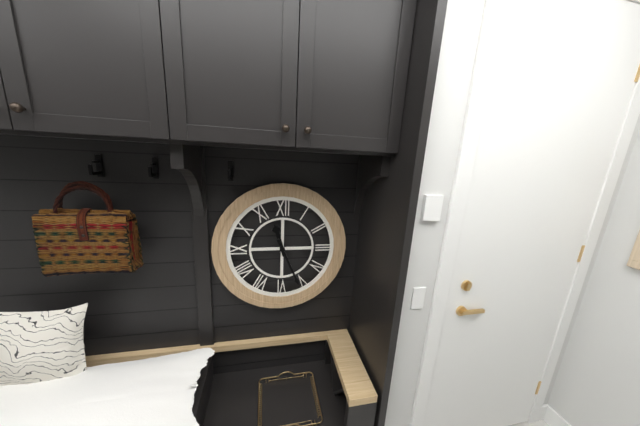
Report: 11:26
